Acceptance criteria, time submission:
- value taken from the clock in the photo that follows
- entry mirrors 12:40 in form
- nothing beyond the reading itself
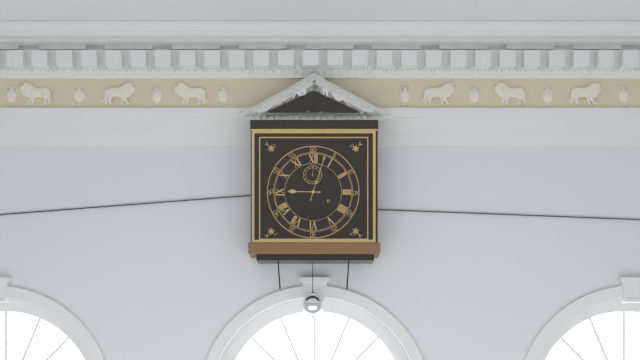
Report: 9:03
